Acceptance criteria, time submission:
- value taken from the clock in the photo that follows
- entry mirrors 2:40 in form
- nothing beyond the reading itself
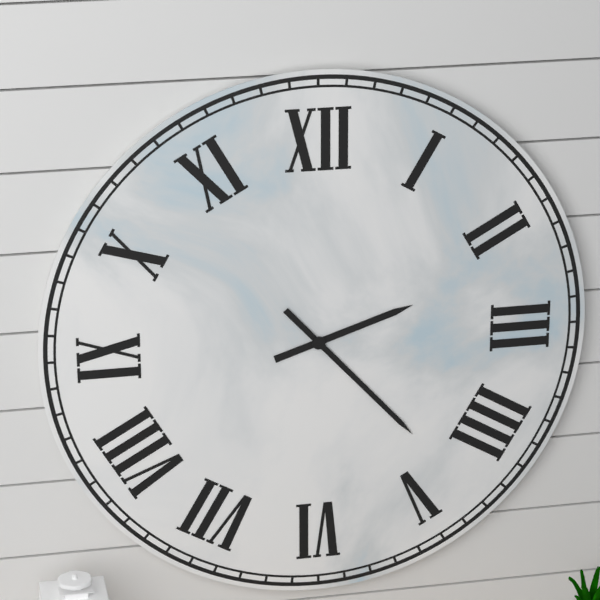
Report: 2:23
